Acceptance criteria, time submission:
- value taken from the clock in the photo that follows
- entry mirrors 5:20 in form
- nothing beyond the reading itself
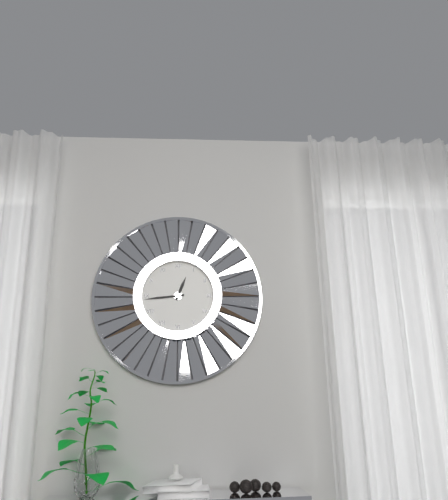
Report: 12:44
